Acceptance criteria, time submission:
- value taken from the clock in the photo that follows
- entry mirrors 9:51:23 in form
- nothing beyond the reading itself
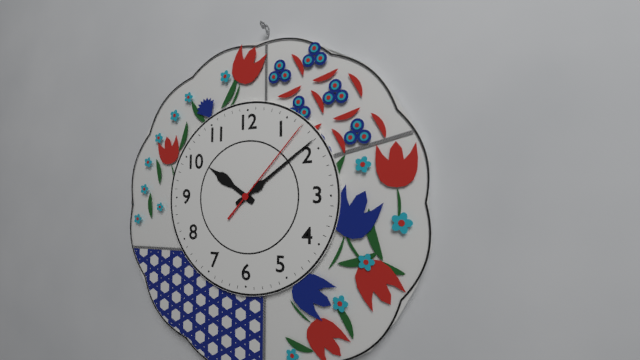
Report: 10:09:07
